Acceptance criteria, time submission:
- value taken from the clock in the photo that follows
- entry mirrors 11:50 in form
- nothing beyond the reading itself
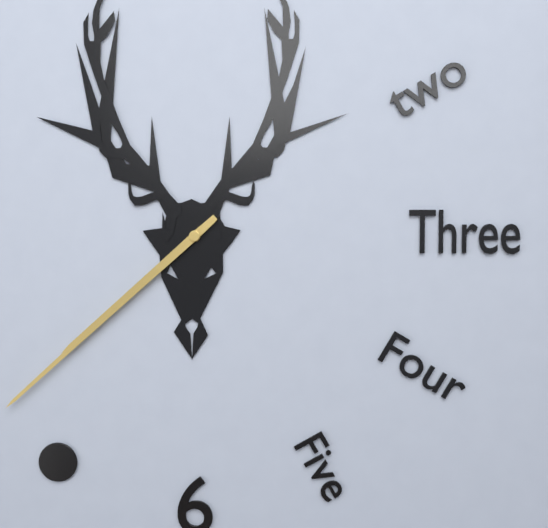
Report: 7:38
